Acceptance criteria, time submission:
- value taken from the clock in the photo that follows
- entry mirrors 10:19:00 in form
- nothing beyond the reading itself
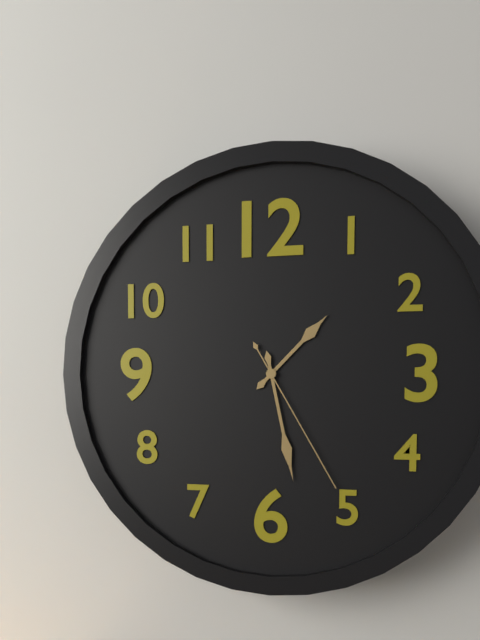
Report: 1:28:25
